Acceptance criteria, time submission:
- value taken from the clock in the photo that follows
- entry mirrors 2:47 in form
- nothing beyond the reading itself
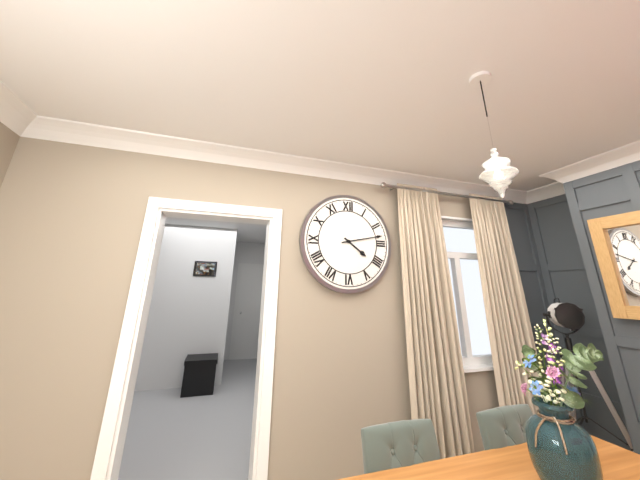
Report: 4:13
